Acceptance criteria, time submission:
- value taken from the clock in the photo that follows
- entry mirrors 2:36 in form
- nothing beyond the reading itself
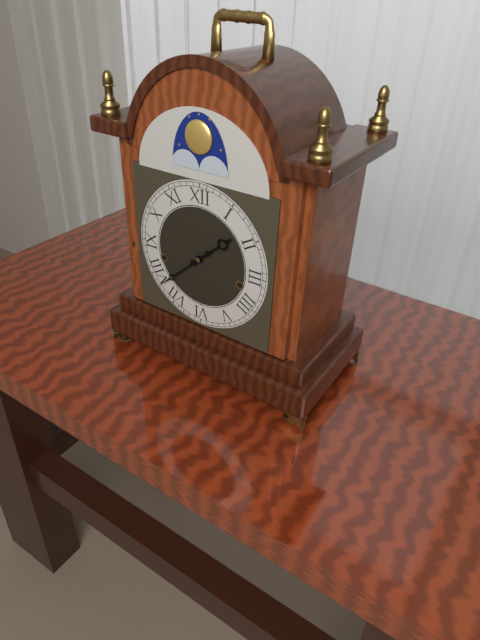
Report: 1:38
